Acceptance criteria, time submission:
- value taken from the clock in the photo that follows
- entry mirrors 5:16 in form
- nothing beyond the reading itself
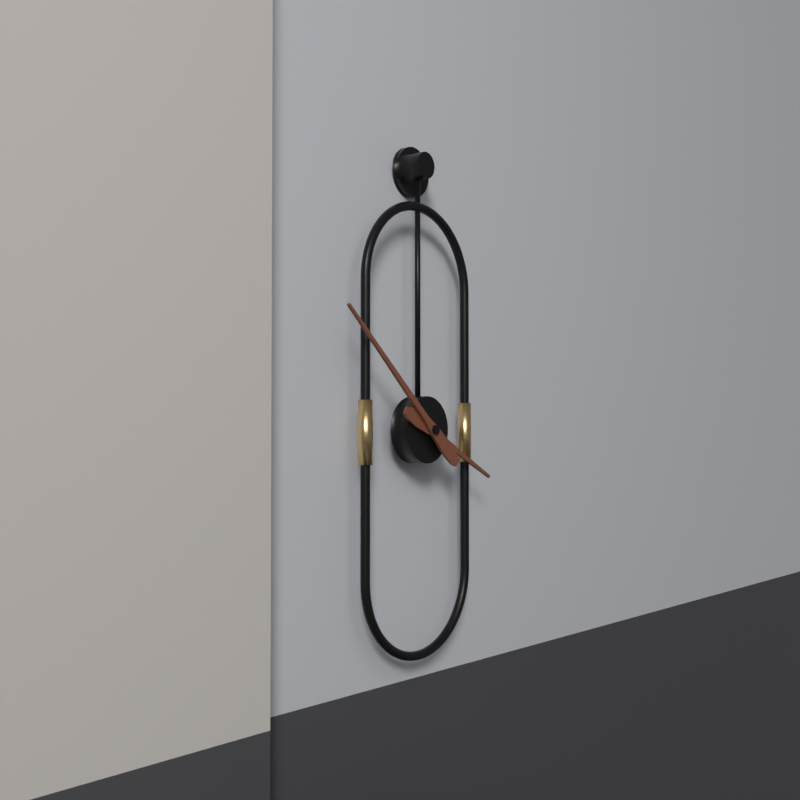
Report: 3:52
